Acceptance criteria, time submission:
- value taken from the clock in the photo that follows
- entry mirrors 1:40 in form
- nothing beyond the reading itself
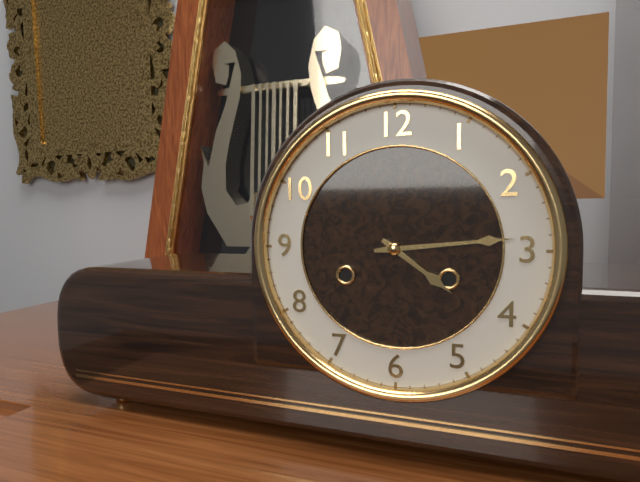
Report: 4:14
